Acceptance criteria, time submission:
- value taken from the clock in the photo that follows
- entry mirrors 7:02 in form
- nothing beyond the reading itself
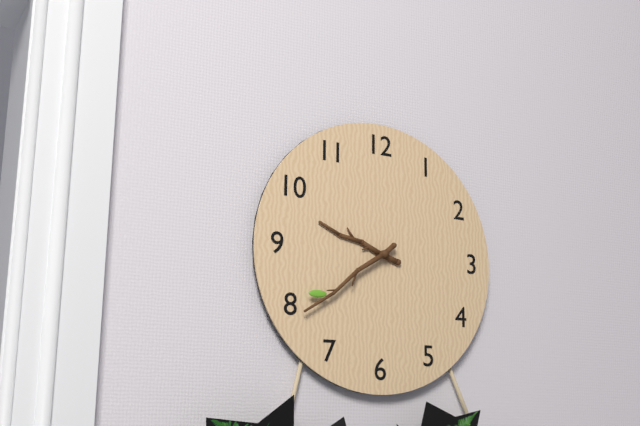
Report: 9:39
